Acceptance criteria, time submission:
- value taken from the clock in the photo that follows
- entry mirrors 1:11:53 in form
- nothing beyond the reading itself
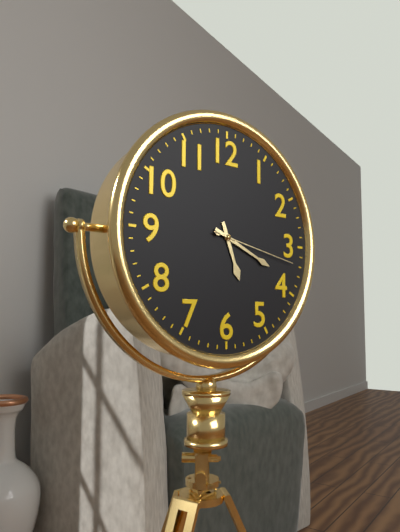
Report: 5:19:17
